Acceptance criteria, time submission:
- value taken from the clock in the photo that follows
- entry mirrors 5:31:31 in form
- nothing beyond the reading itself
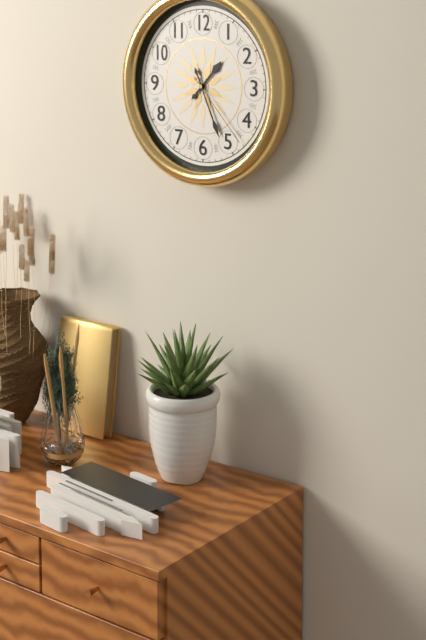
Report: 1:26:23
